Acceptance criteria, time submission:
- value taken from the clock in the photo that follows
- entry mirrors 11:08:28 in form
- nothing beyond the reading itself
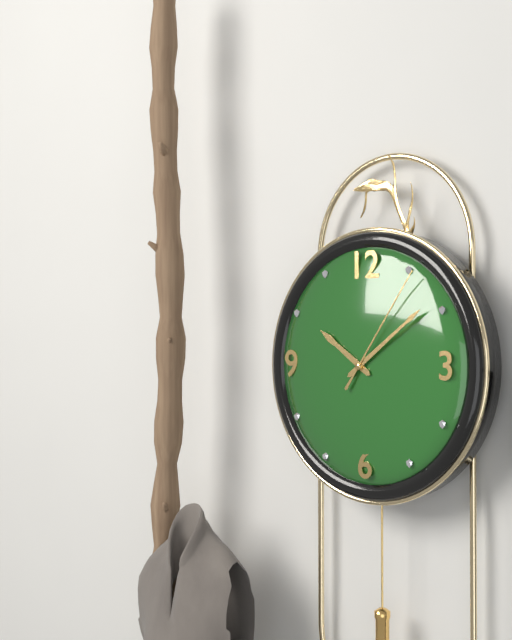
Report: 10:09:06
